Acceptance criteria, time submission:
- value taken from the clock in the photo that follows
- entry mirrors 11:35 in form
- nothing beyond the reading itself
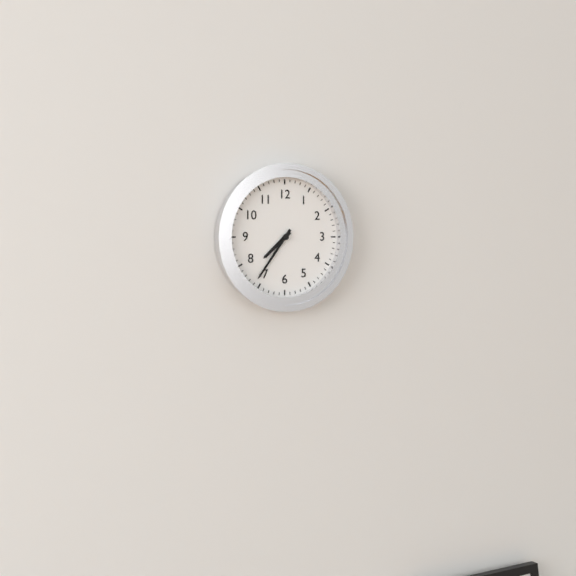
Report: 7:36
